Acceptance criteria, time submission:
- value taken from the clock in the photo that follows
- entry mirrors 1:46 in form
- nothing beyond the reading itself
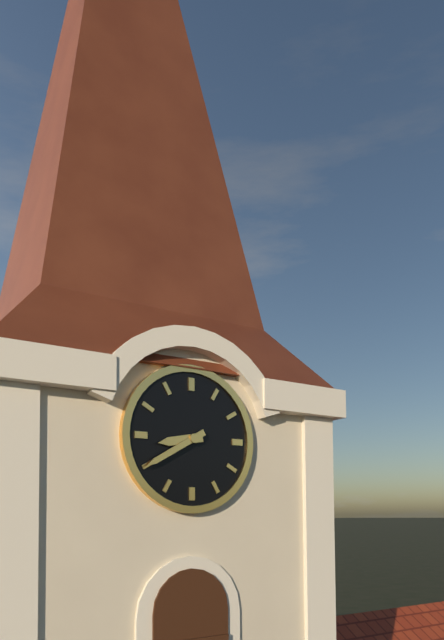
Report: 8:40
